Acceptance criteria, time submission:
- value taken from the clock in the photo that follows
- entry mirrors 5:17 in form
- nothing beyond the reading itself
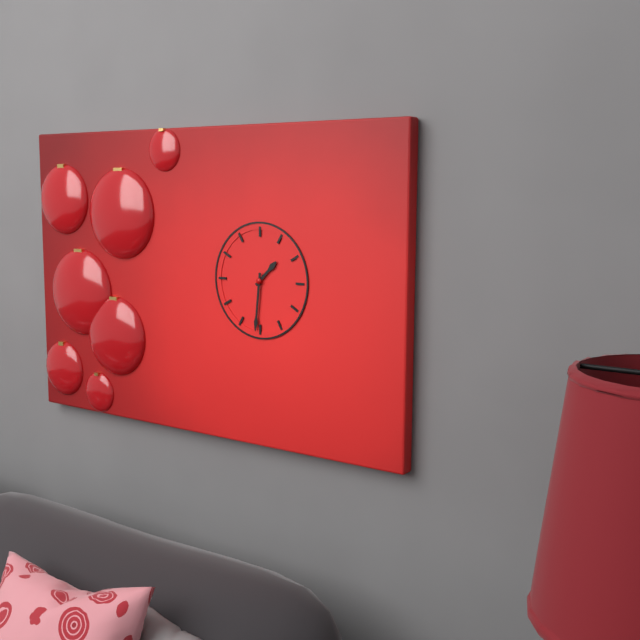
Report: 1:31
